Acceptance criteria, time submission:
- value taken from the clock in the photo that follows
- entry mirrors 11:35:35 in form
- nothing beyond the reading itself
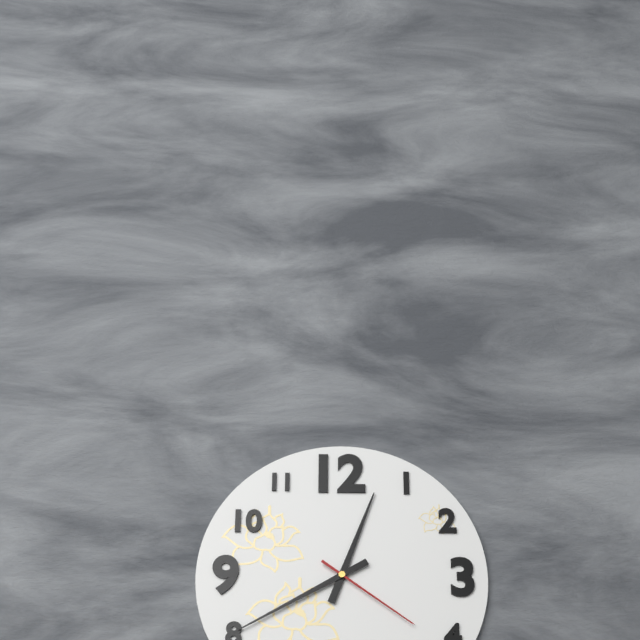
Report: 12:40:21
